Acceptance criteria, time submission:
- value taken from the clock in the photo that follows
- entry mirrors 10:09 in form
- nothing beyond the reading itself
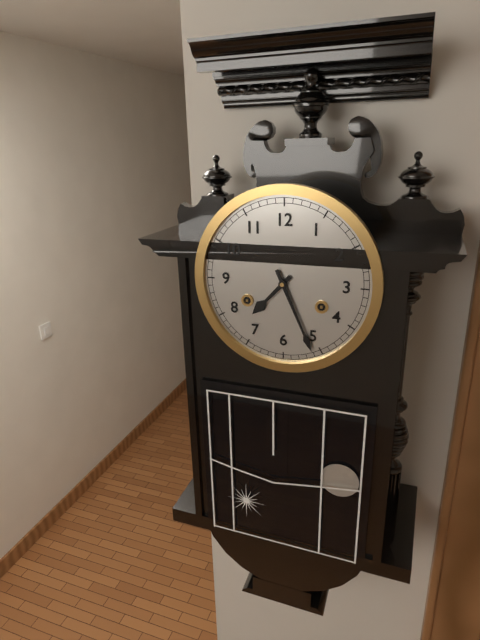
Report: 7:26
